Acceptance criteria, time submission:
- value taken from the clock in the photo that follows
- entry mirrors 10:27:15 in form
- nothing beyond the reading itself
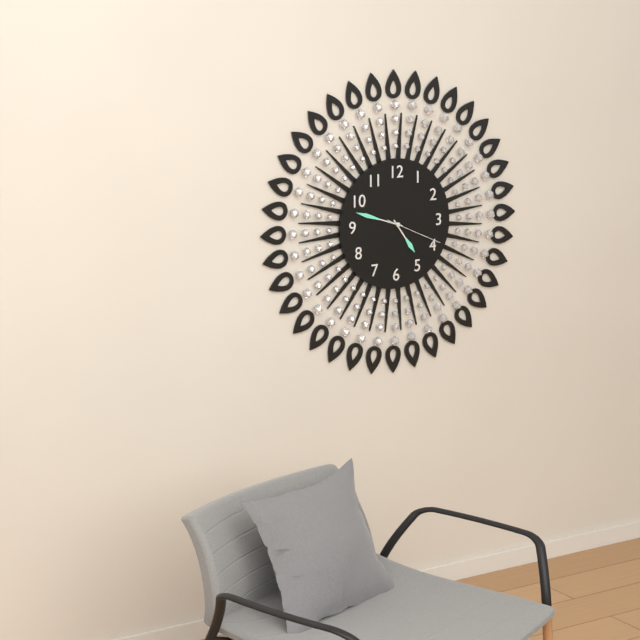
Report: 4:48:19
